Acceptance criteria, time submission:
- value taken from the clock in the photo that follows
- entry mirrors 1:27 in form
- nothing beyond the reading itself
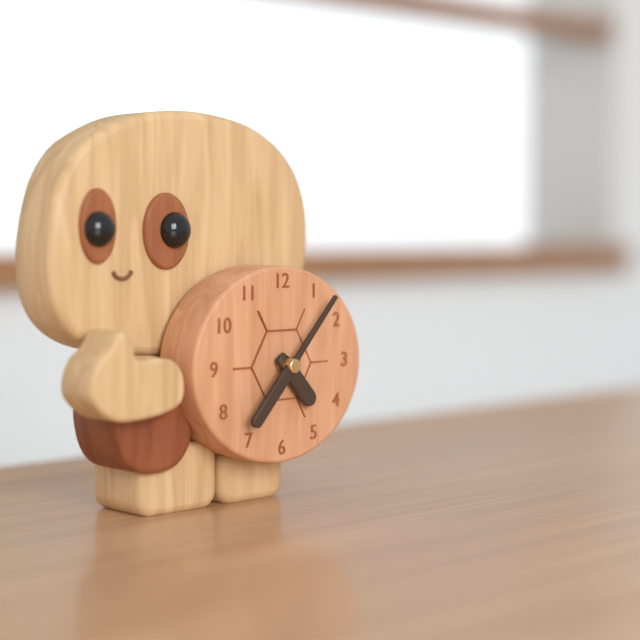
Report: 4:37
